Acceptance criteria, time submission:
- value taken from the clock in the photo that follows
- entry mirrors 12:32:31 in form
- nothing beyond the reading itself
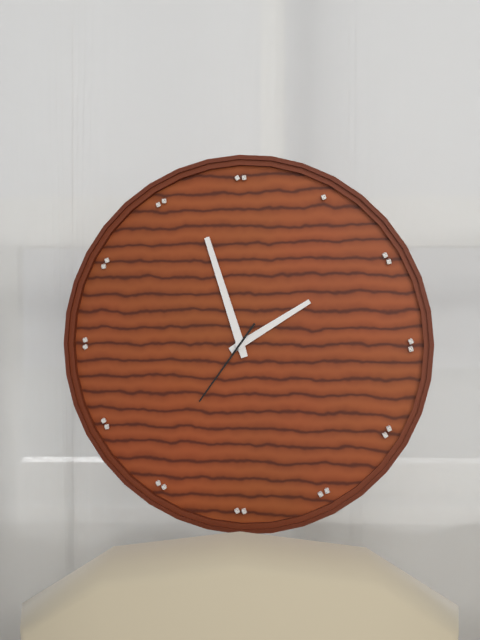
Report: 1:57:36
